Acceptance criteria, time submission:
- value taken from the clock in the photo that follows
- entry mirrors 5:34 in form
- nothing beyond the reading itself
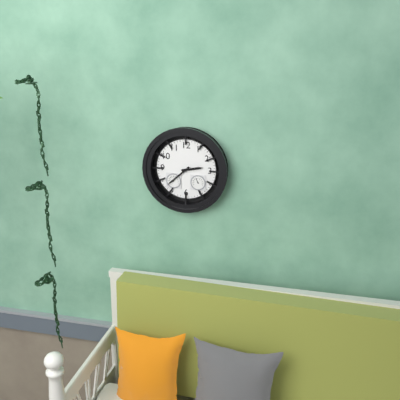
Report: 2:38
